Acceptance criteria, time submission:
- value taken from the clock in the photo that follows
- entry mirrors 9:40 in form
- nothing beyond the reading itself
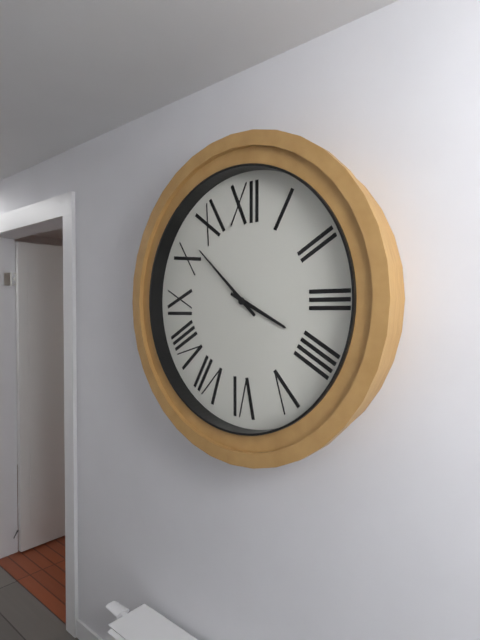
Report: 3:52
